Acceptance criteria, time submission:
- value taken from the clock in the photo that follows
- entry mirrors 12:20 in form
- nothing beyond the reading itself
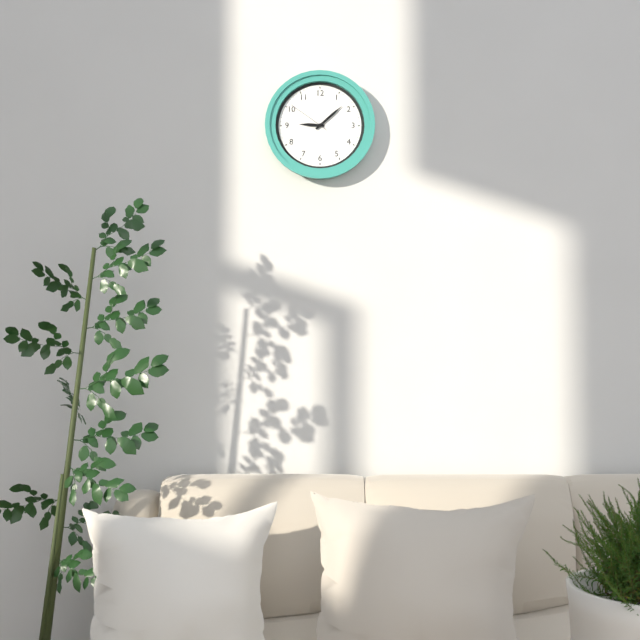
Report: 9:08
